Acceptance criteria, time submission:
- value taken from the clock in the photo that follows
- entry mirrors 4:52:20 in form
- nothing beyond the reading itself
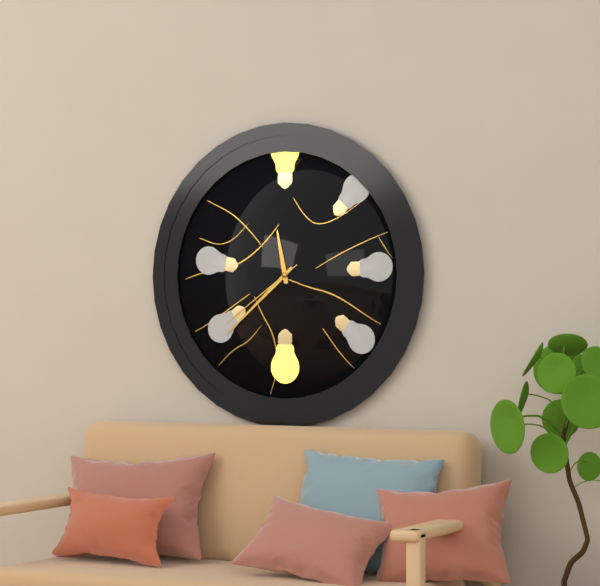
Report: 11:38:39
